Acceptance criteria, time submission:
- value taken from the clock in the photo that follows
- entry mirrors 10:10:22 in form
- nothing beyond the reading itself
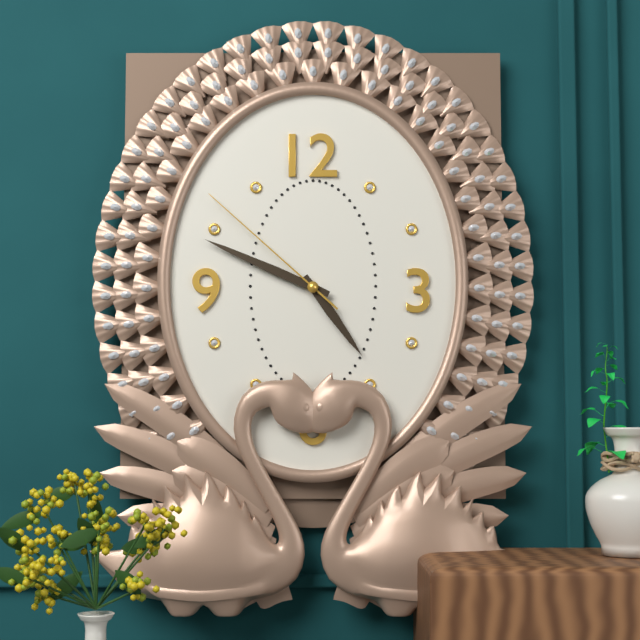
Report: 4:49:52
